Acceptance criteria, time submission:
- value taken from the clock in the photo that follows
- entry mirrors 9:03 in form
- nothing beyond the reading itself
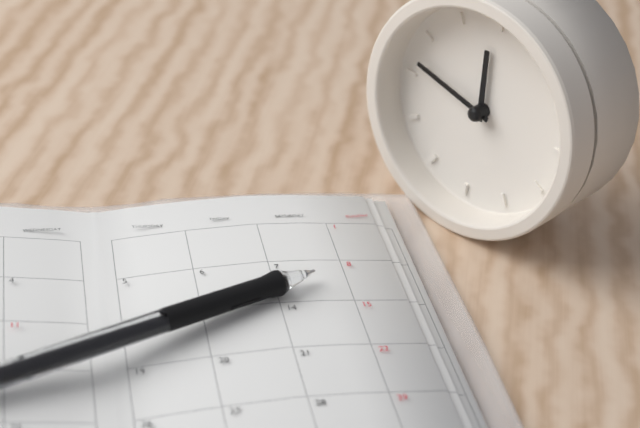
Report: 11:47
